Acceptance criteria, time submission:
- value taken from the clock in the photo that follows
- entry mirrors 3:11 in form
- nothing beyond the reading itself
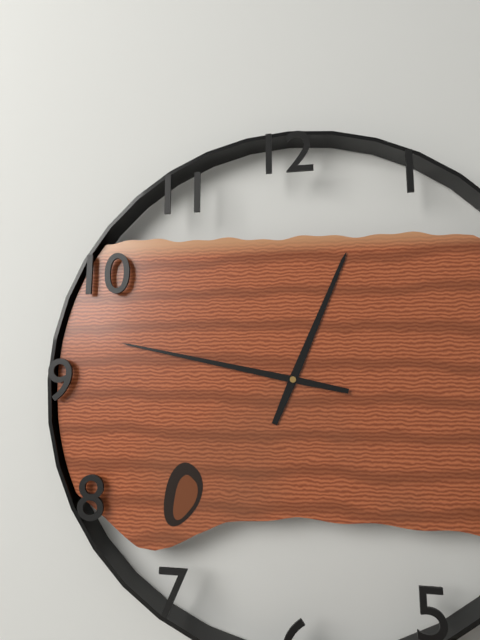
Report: 12:47
